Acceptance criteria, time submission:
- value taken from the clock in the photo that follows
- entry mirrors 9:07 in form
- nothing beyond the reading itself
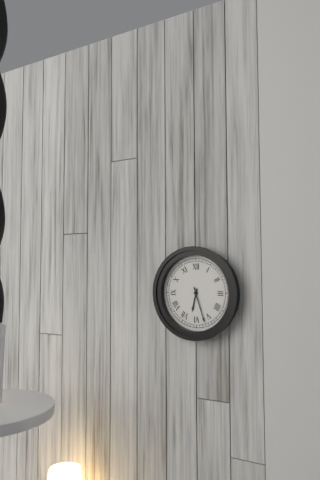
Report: 6:27
